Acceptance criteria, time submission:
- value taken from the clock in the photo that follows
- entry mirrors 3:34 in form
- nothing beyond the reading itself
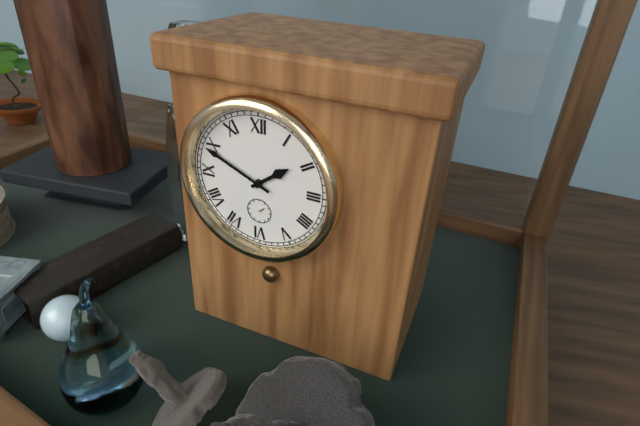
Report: 1:49
